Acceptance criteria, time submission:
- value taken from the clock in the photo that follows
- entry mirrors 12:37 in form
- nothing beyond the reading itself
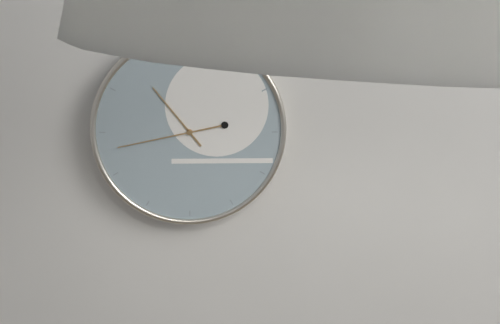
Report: 10:43
